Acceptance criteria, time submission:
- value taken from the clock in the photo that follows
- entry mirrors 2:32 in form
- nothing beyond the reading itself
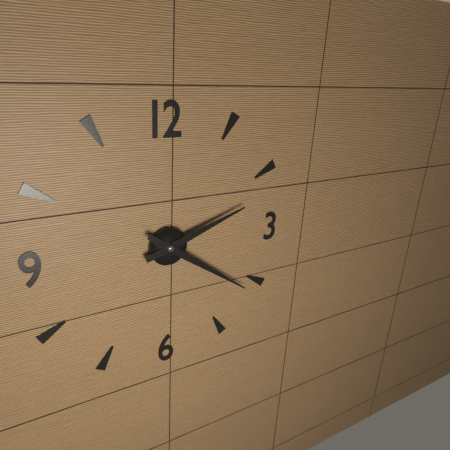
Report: 2:21
